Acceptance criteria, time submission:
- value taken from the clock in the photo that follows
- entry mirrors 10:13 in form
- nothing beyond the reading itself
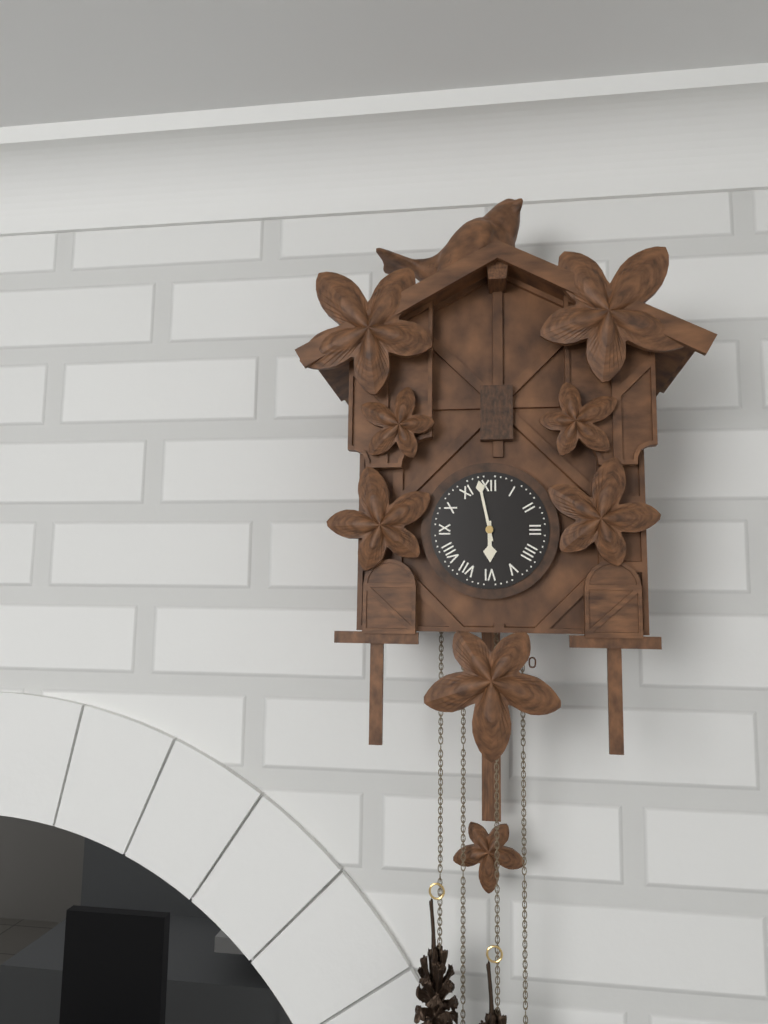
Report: 5:58
